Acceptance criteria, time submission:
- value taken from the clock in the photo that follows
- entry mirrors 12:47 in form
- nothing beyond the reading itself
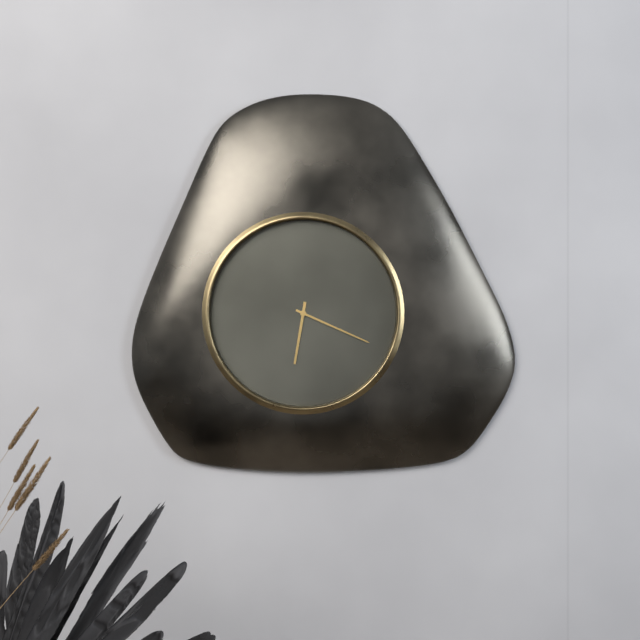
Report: 6:19
